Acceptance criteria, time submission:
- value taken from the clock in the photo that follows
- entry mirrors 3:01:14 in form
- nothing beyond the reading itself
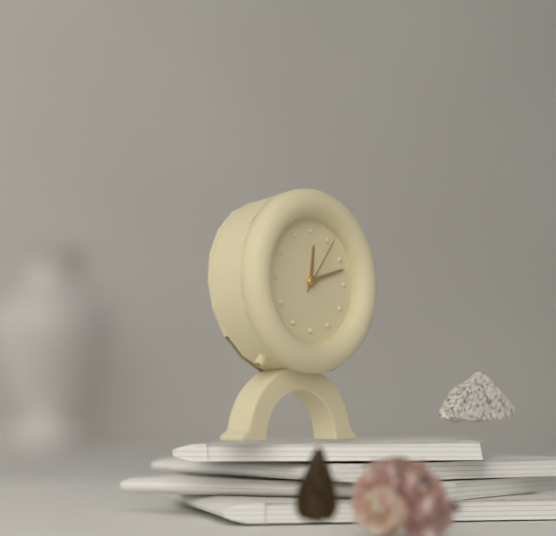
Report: 12:12:06
